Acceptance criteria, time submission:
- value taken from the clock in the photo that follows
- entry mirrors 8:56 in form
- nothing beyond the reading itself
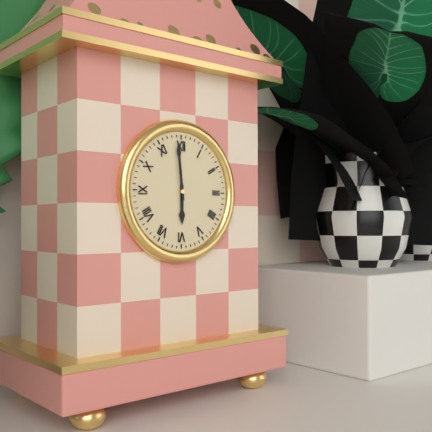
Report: 5:59
